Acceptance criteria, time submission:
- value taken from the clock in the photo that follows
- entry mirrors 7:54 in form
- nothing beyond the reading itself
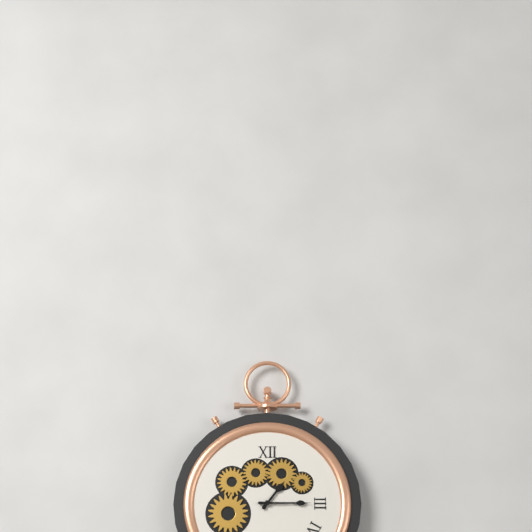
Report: 1:15
